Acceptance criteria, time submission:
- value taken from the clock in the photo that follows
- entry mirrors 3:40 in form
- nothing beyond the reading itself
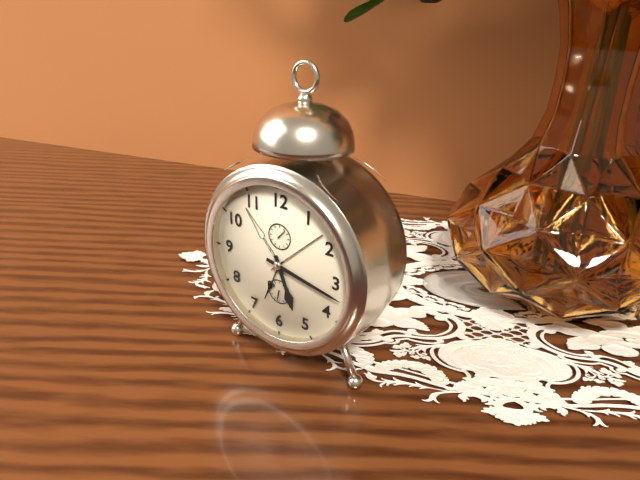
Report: 5:17
